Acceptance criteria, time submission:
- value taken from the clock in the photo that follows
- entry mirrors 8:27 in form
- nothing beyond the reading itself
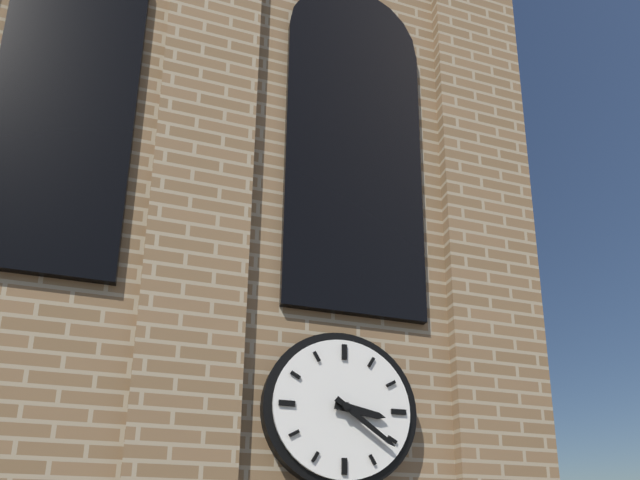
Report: 3:21
